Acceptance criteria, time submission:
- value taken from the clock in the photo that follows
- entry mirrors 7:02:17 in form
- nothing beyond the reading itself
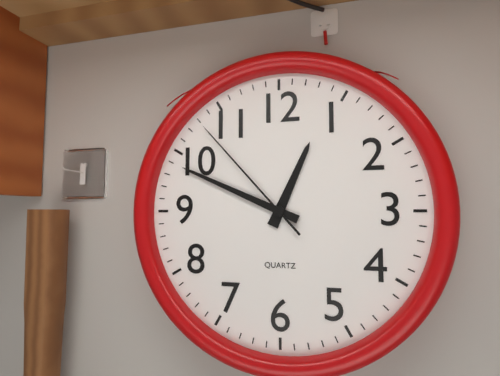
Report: 12:49:53
